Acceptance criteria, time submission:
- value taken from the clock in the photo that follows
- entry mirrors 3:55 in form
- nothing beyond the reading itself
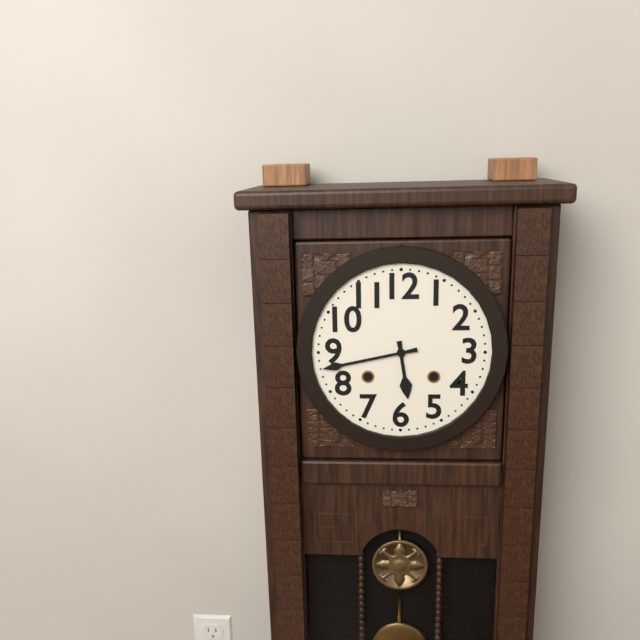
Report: 5:43
